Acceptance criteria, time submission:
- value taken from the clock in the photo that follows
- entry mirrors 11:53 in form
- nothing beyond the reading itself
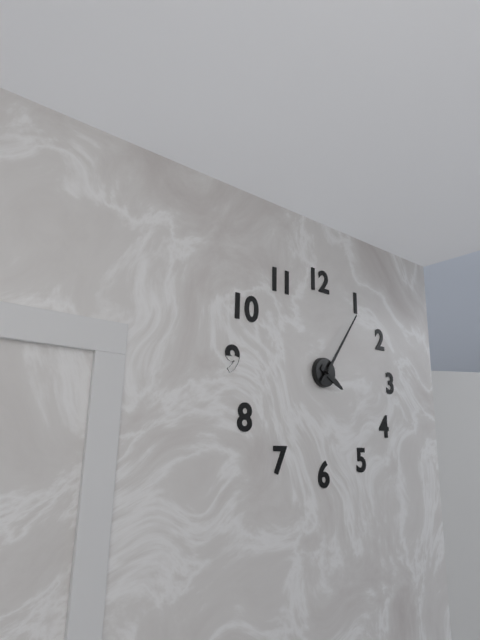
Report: 4:06
